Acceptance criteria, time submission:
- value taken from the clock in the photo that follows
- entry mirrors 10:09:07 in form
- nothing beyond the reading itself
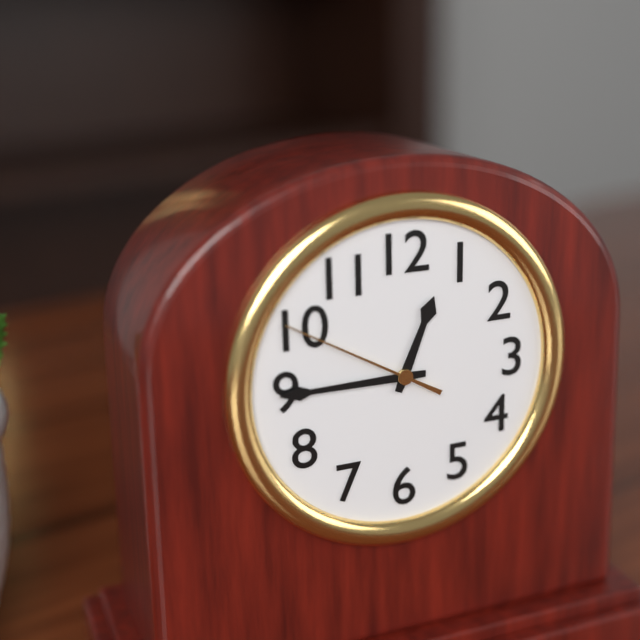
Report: 12:45:50
